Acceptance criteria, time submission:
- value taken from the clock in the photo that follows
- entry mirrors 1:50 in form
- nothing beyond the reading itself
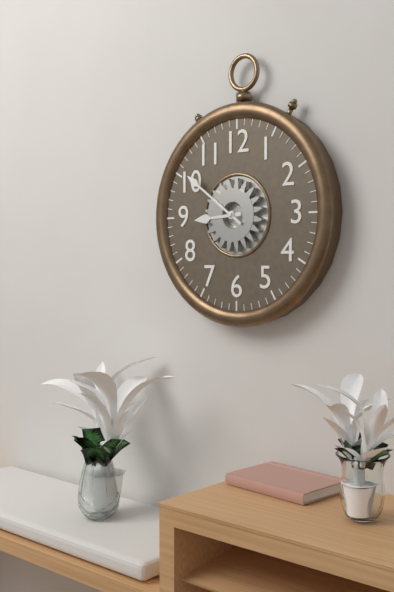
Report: 8:51
